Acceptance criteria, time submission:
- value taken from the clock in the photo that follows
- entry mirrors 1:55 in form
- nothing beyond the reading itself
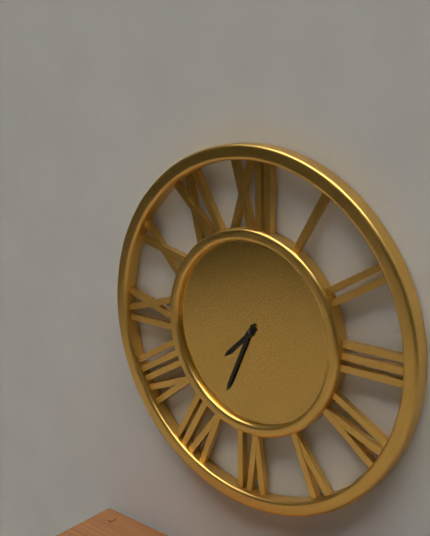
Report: 7:34
